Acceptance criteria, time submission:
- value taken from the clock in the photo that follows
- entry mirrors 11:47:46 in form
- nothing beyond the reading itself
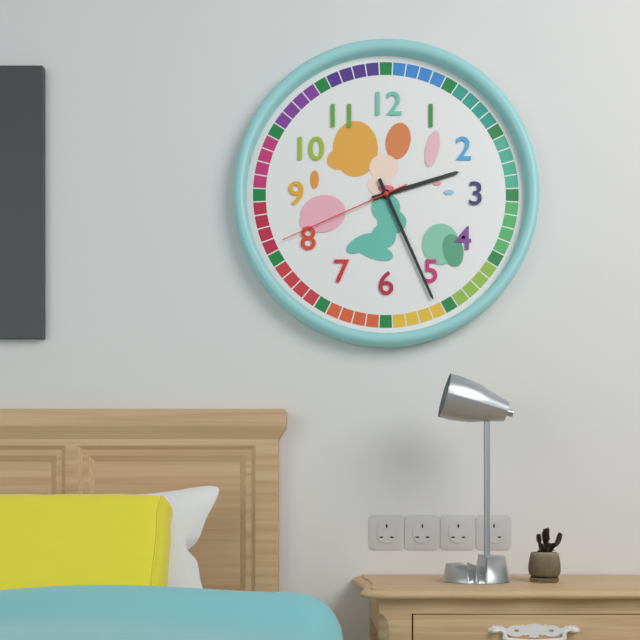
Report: 2:26:41
